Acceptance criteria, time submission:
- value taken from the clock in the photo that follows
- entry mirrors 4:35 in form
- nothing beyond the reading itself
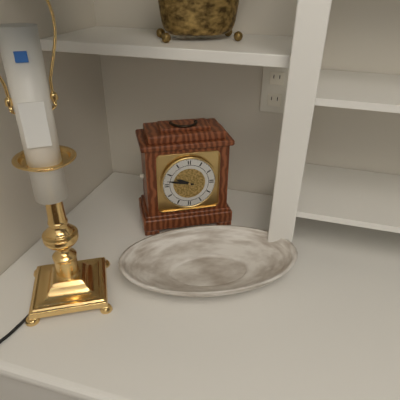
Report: 9:47
